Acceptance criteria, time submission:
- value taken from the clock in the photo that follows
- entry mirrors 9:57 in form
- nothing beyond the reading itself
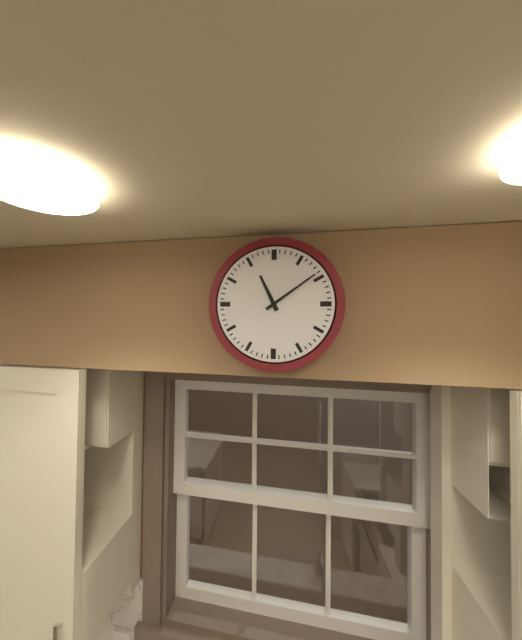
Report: 11:09
